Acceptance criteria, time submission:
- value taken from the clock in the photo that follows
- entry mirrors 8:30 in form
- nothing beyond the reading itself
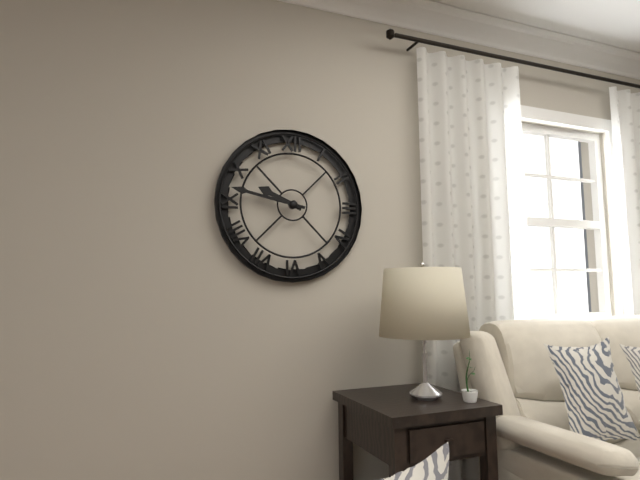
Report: 9:47
